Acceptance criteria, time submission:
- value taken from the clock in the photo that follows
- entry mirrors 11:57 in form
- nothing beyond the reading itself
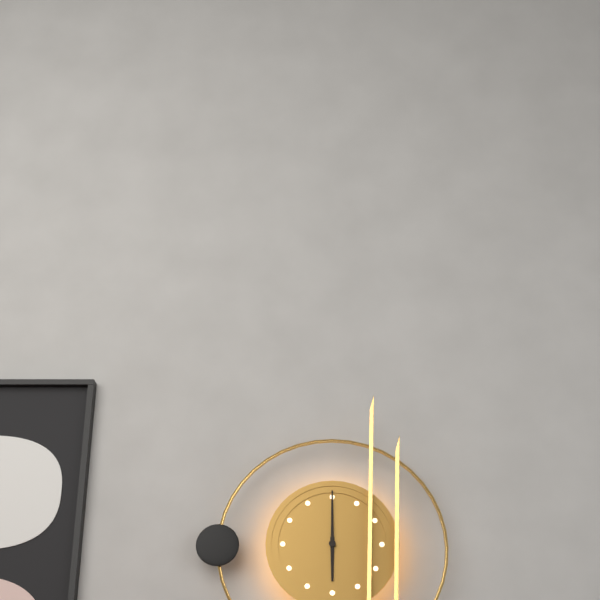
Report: 6:00
